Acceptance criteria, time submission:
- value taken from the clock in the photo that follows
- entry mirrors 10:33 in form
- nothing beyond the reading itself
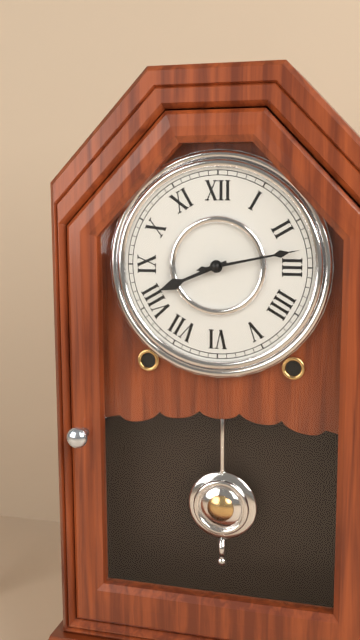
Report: 8:13
